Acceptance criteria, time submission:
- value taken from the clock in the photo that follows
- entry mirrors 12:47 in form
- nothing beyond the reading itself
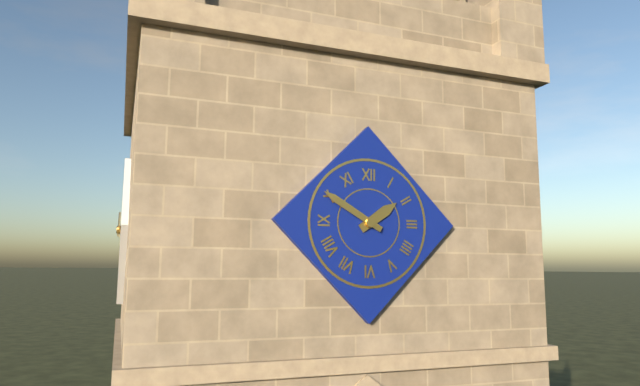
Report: 1:50
